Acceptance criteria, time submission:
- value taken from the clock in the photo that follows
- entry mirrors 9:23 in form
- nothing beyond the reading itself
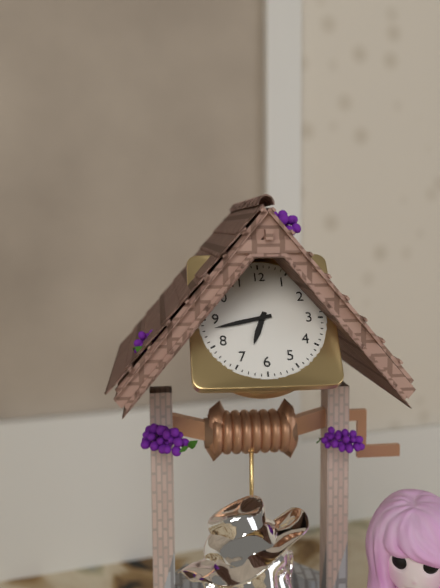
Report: 6:43
